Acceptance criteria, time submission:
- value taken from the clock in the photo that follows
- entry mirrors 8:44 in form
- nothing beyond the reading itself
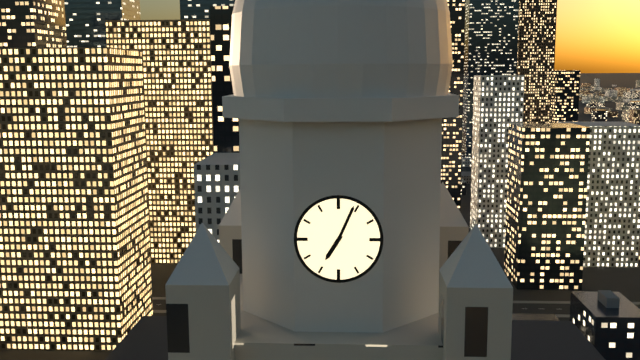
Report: 7:04
